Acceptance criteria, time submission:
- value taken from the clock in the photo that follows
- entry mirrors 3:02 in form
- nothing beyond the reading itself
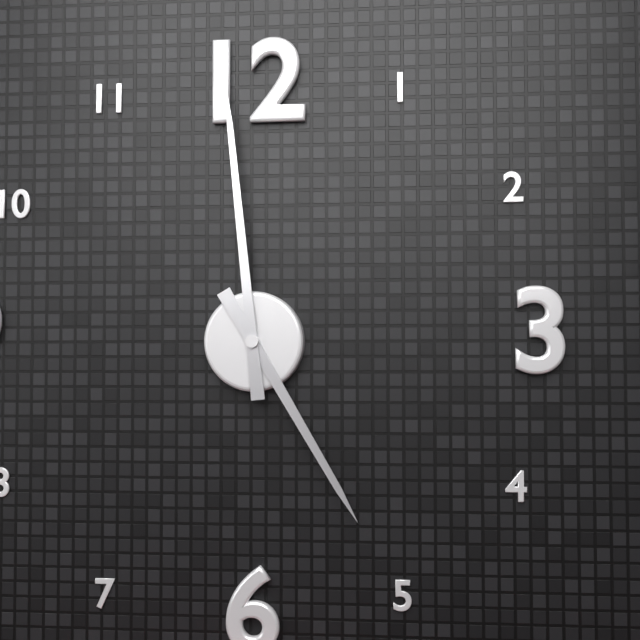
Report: 4:59
